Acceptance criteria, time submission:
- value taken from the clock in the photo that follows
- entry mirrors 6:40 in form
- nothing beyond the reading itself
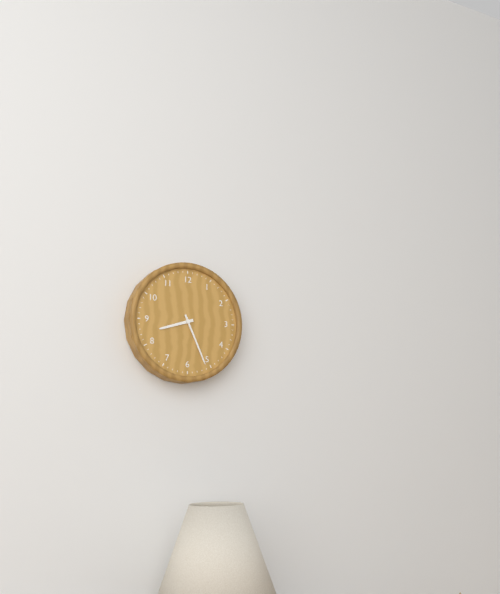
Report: 8:26
